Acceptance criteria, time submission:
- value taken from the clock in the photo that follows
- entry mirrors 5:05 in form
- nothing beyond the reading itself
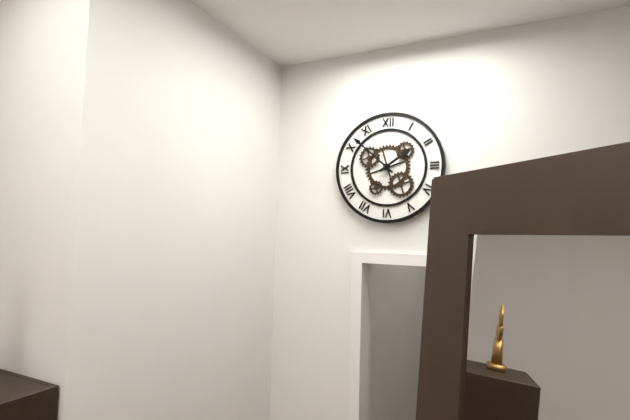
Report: 1:52
